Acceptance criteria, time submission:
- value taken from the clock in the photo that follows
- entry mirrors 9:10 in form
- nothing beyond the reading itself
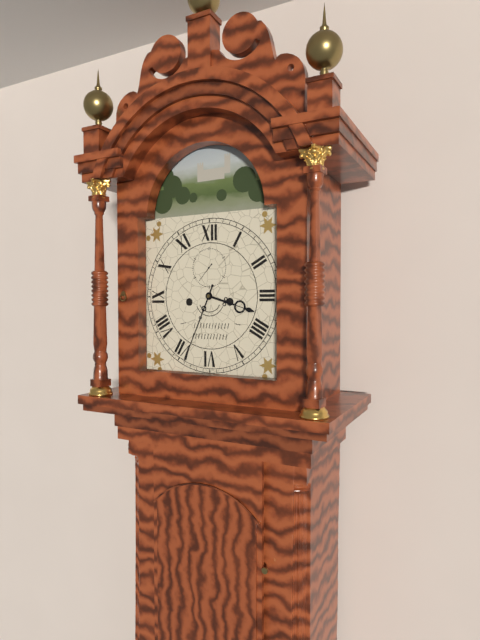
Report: 3:34
